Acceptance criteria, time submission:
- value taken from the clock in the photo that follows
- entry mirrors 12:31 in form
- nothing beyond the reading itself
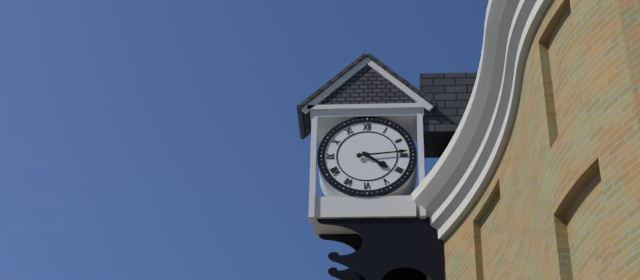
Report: 4:14
